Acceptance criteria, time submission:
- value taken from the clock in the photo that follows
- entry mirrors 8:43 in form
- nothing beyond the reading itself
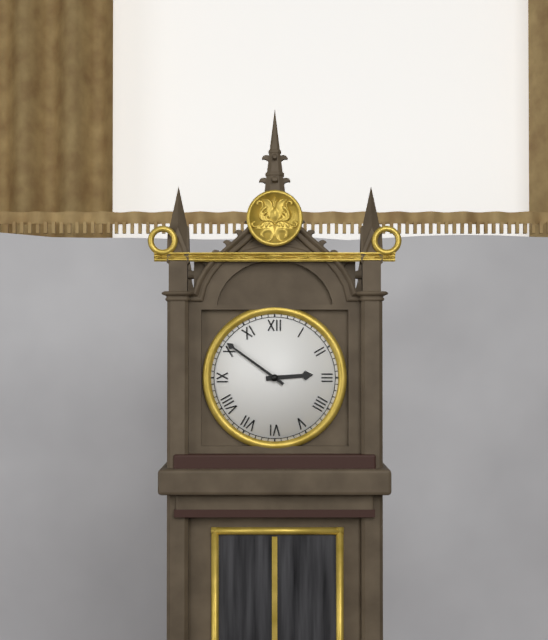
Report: 2:51
